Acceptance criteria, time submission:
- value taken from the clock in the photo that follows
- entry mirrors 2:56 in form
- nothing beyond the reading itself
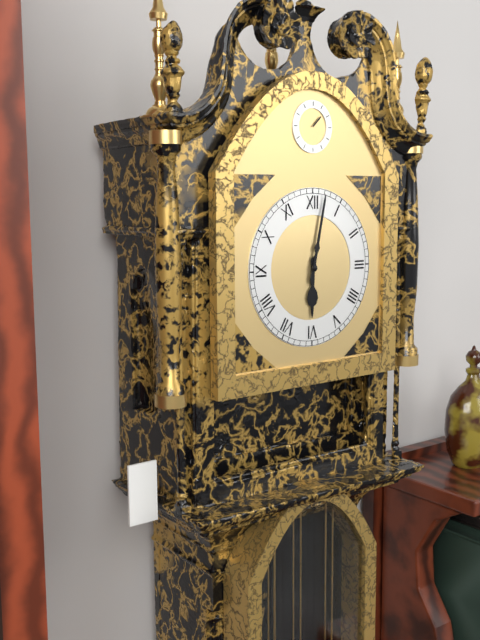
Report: 6:02
